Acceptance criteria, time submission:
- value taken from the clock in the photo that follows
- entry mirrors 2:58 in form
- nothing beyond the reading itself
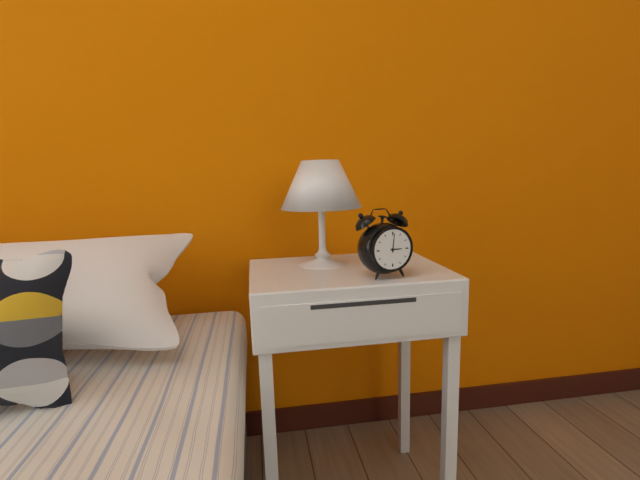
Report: 3:01
